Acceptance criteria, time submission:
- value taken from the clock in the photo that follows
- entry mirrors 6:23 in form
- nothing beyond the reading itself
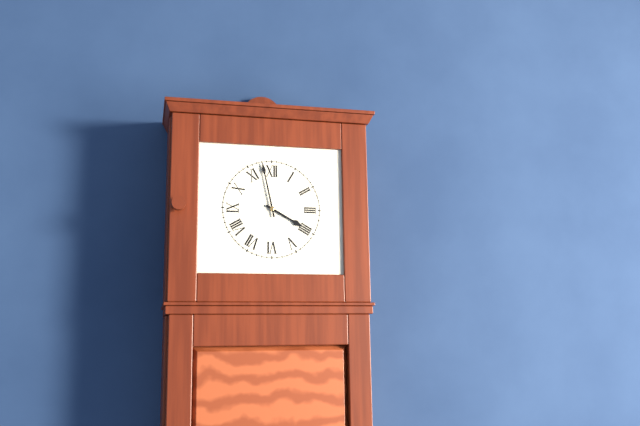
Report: 3:58
